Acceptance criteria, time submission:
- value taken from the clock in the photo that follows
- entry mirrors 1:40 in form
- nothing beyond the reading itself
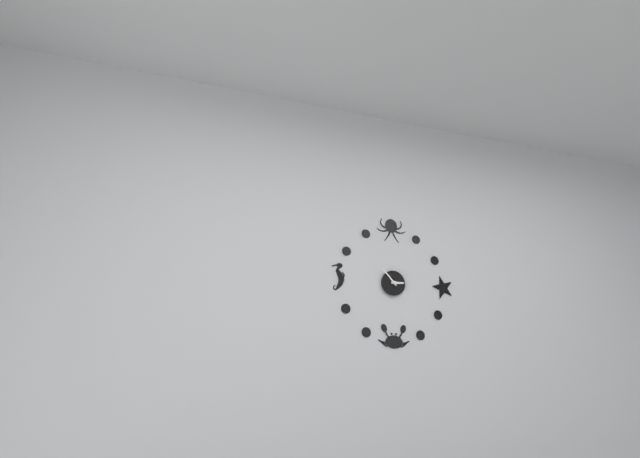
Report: 2:53
